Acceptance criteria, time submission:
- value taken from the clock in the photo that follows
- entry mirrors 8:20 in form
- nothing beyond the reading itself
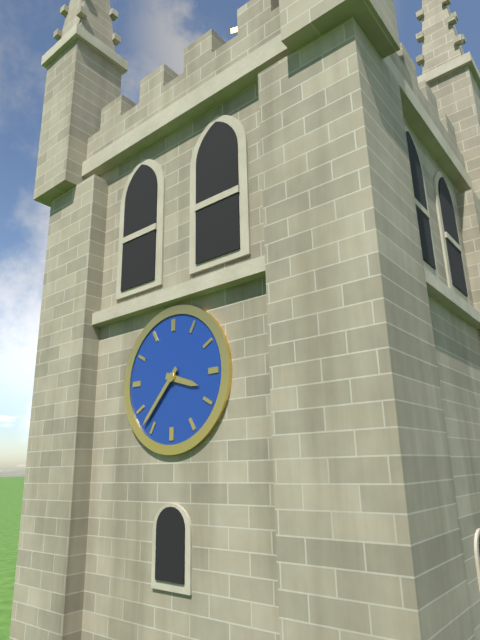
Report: 3:37
